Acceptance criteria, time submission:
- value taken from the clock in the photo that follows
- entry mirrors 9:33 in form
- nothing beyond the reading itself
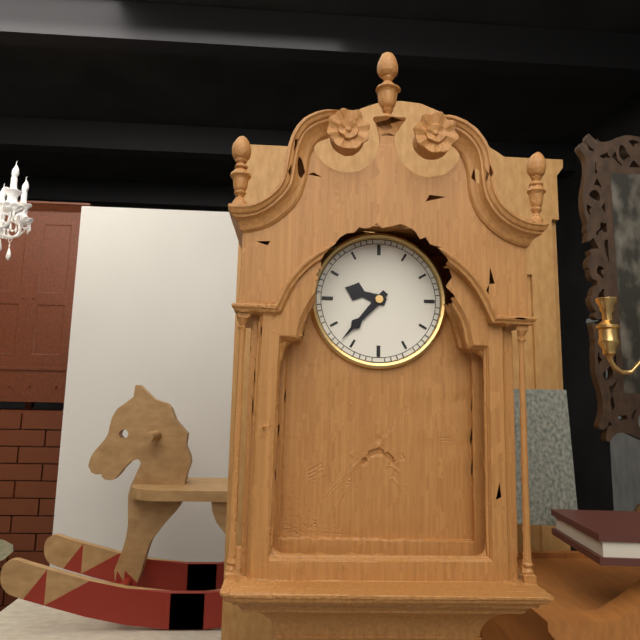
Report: 9:37
